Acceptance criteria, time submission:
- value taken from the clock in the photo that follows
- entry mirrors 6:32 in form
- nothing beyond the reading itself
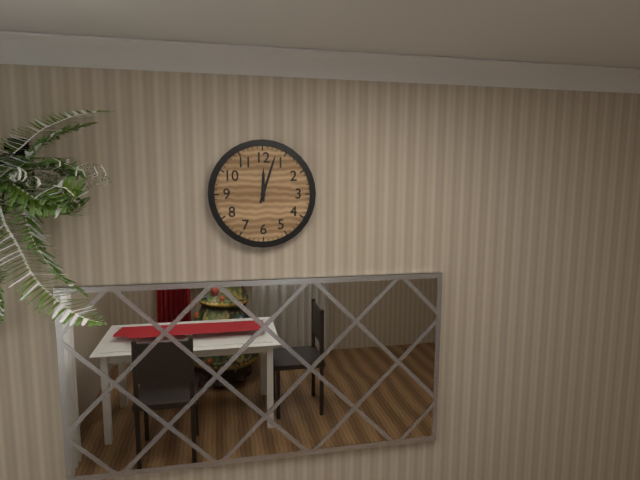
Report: 12:03
